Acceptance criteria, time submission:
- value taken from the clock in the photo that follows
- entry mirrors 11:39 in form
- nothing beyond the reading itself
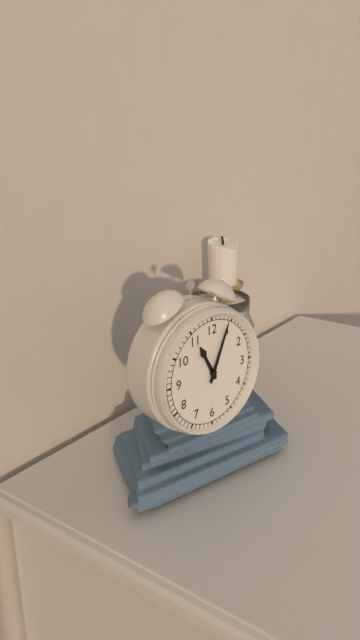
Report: 11:04
